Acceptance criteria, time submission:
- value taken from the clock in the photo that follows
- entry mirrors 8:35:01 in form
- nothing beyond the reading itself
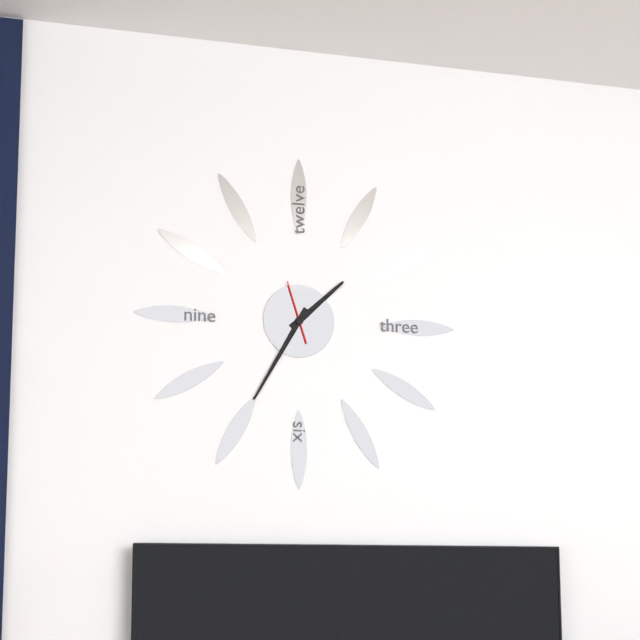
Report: 1:35:57
